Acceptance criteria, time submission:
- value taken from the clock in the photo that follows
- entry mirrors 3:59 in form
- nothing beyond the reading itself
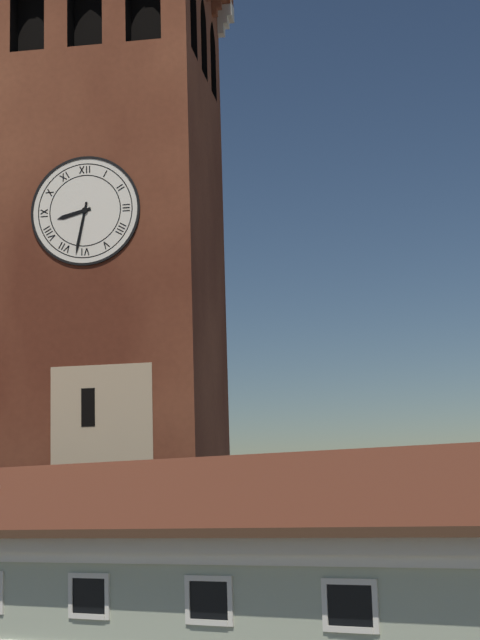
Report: 8:32
